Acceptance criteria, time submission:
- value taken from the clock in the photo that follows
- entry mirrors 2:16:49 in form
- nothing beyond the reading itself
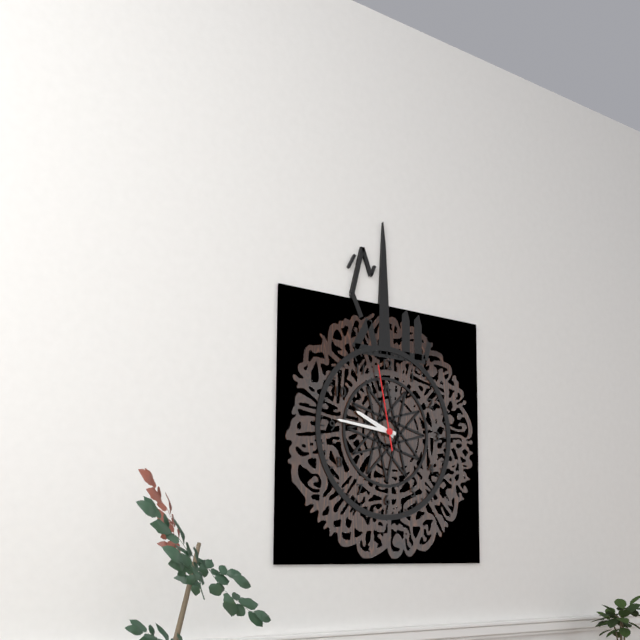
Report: 9:46:58
